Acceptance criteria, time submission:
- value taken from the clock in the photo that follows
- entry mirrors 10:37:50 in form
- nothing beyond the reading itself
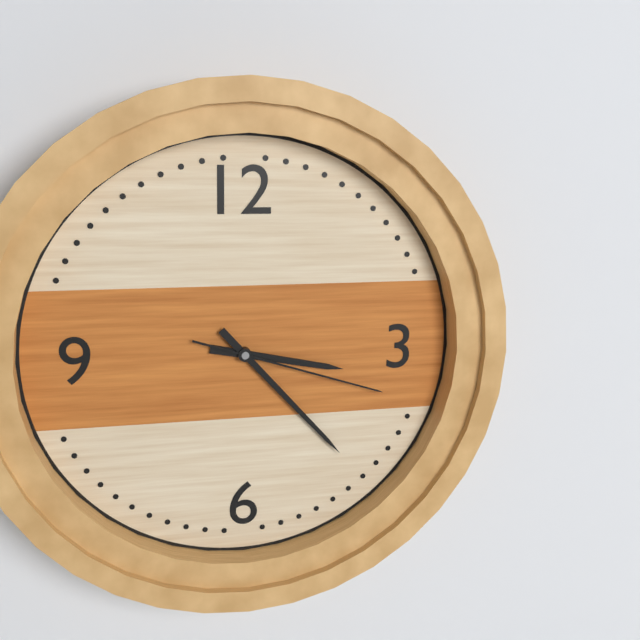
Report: 3:23:18
